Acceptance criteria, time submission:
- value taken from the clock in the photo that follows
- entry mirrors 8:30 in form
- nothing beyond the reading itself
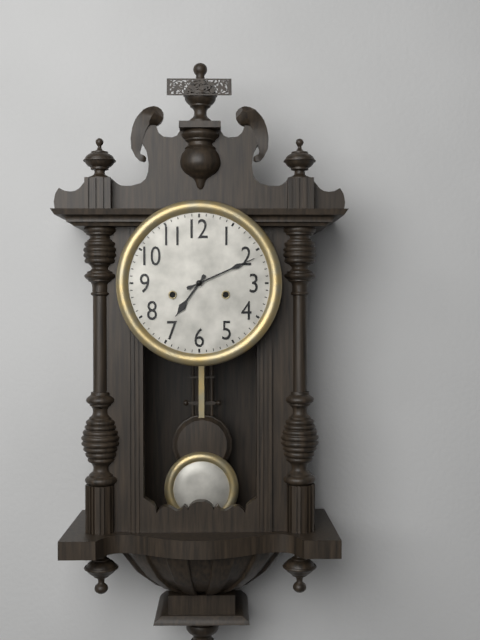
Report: 7:11
